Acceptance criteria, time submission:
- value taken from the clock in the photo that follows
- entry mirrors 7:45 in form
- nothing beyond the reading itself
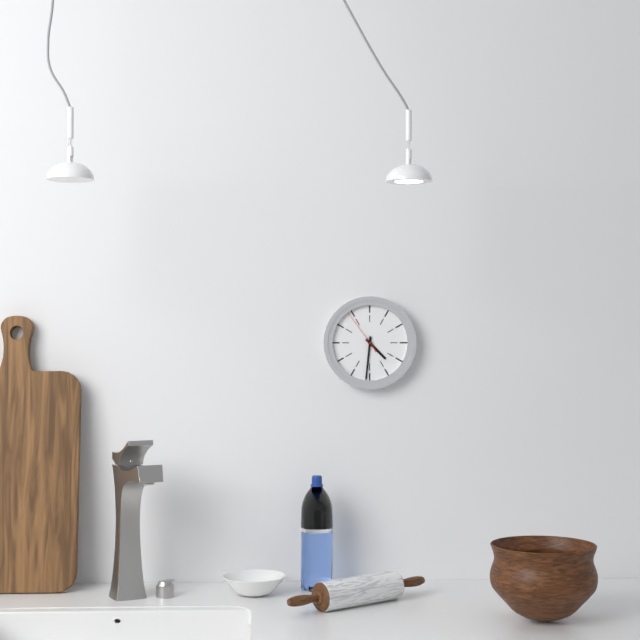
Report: 4:31
